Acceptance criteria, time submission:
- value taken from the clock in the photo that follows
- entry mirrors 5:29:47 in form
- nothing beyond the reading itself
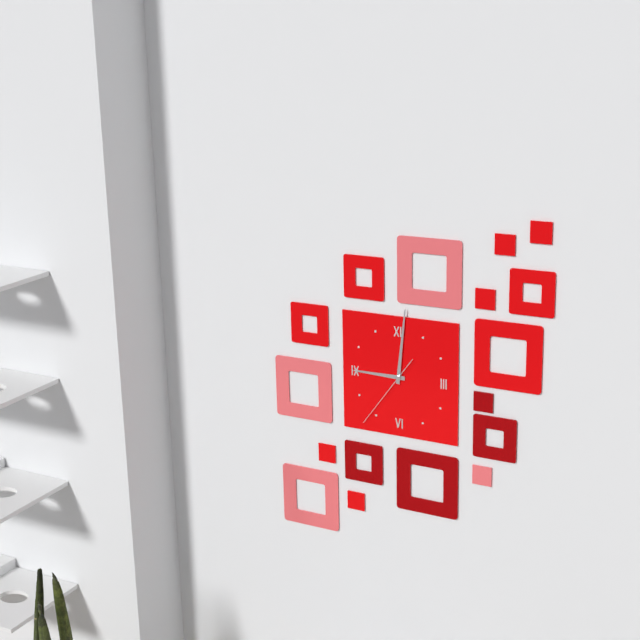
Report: 9:01:36
